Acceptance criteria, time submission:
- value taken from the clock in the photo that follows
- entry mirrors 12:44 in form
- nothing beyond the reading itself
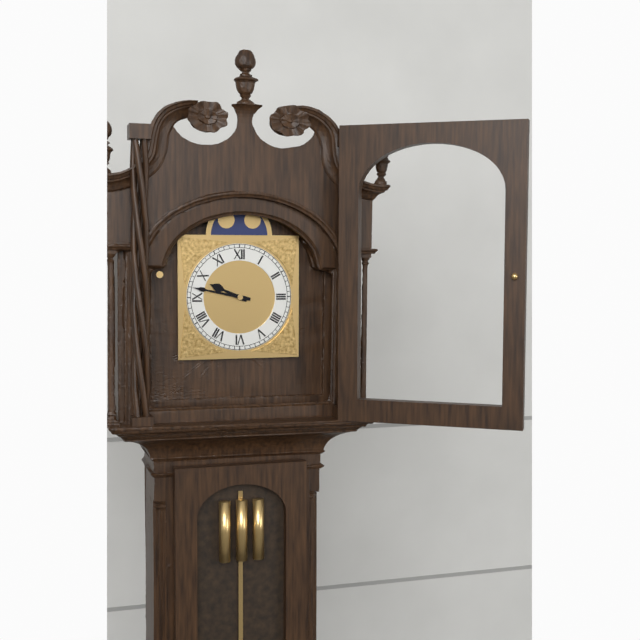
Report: 9:47
